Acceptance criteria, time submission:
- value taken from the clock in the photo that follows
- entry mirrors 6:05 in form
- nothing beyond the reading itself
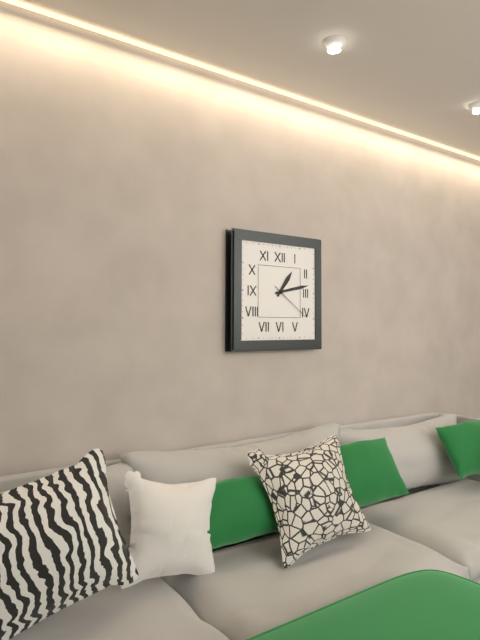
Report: 1:13
